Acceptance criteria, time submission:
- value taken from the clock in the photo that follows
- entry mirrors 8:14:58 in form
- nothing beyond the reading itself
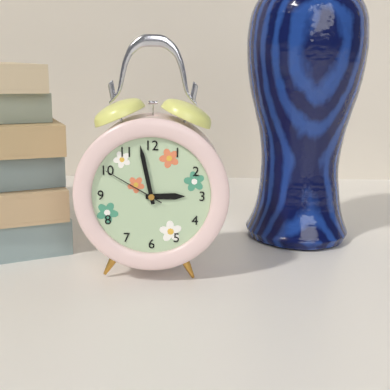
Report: 2:58:50
